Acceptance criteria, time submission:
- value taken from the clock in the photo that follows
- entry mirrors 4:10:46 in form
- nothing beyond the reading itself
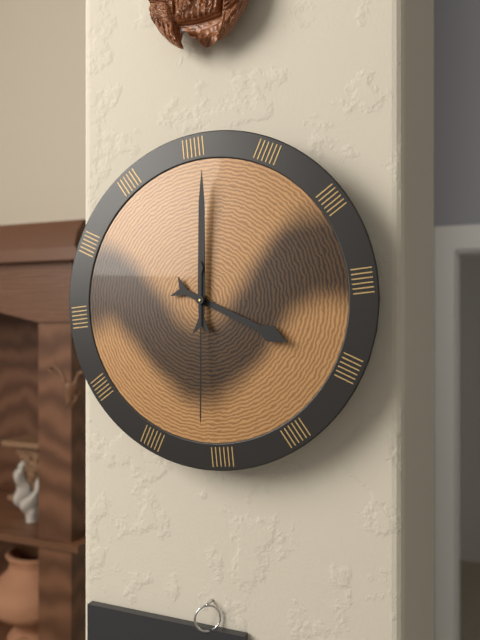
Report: 4:01:31
